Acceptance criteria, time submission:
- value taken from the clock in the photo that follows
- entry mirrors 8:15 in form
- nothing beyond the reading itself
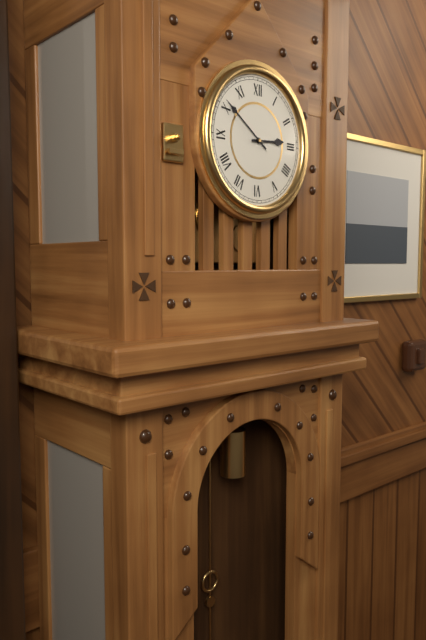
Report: 2:51
